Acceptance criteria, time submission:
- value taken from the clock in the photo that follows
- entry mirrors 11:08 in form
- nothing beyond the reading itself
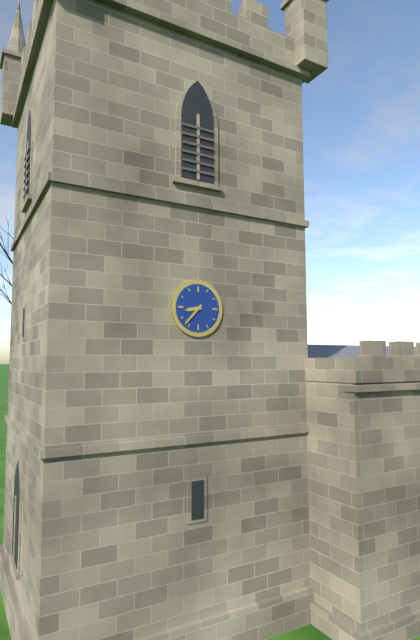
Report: 8:37
